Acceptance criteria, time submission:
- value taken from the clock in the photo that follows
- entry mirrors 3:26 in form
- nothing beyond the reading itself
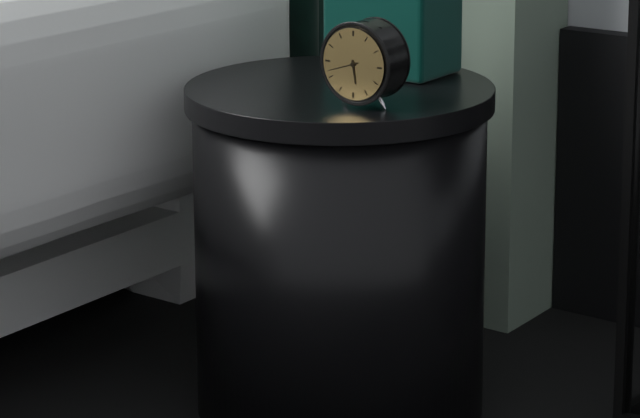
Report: 5:42
